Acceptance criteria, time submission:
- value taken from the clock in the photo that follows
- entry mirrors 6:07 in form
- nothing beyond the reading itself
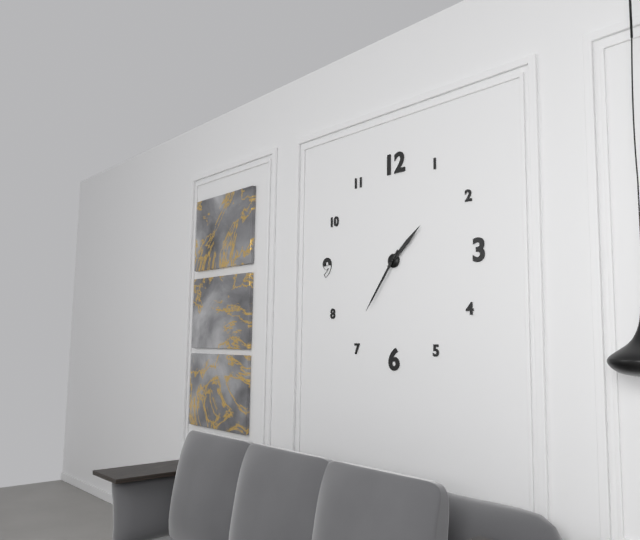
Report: 1:36
